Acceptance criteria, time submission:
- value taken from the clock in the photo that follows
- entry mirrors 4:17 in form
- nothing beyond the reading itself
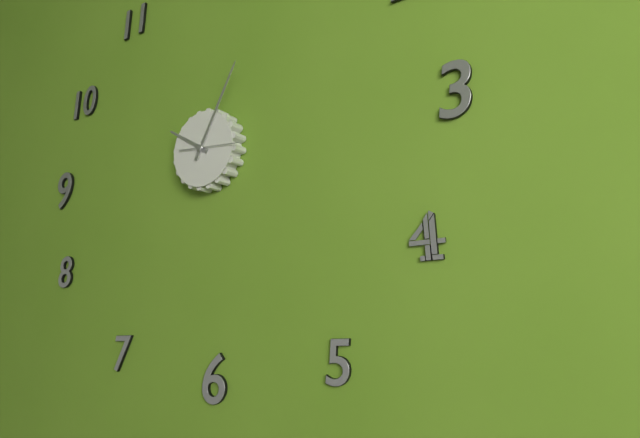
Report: 10:05
